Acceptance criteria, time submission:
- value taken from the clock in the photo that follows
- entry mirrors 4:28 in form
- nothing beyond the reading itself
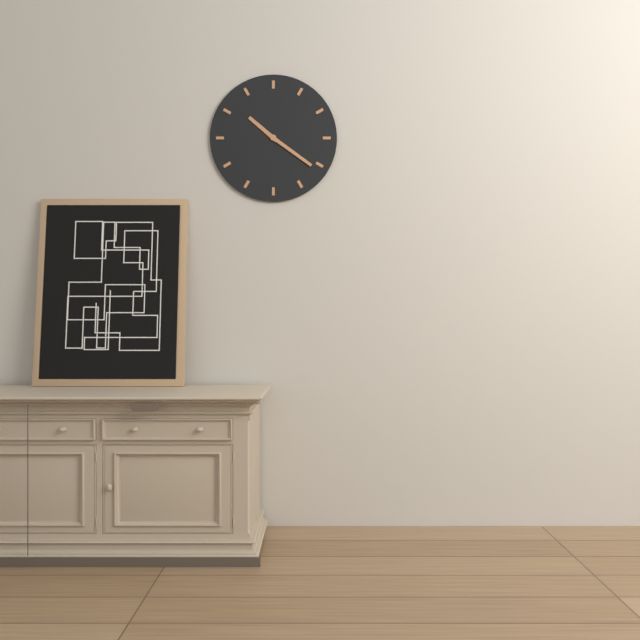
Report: 10:21
